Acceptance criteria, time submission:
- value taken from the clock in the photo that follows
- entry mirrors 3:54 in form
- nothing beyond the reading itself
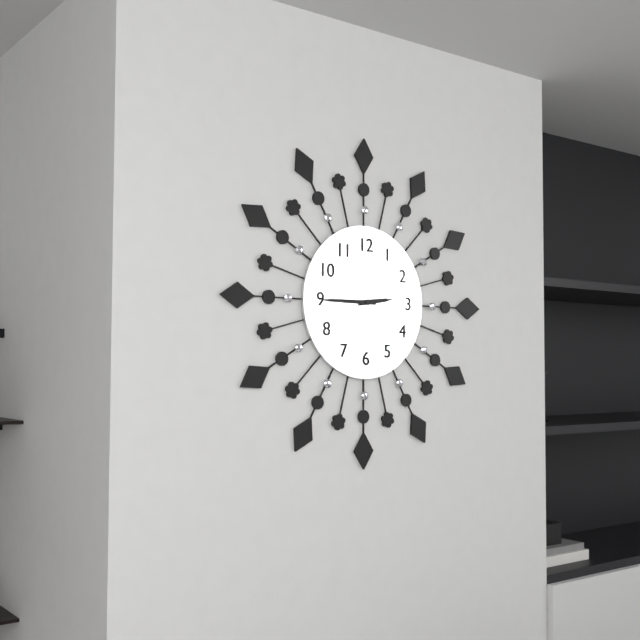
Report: 2:45
